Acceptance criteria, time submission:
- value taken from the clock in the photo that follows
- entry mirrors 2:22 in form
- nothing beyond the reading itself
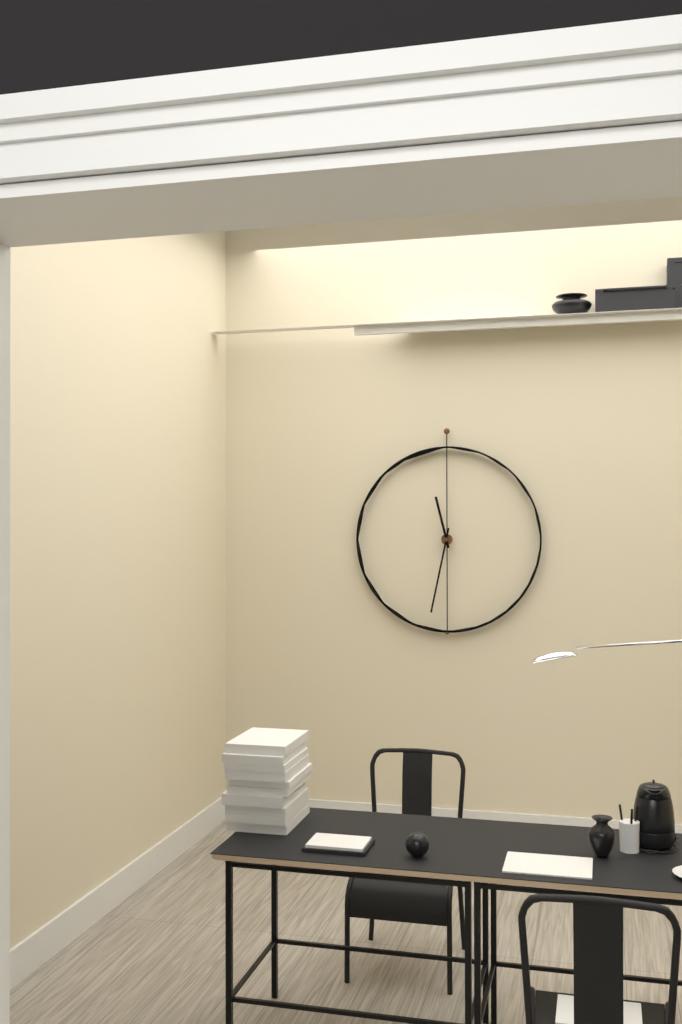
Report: 11:32
